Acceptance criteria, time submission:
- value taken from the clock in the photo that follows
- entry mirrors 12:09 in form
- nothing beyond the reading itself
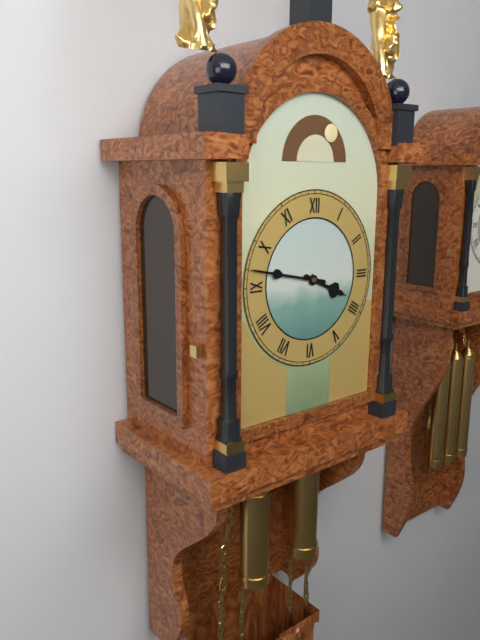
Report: 3:47
